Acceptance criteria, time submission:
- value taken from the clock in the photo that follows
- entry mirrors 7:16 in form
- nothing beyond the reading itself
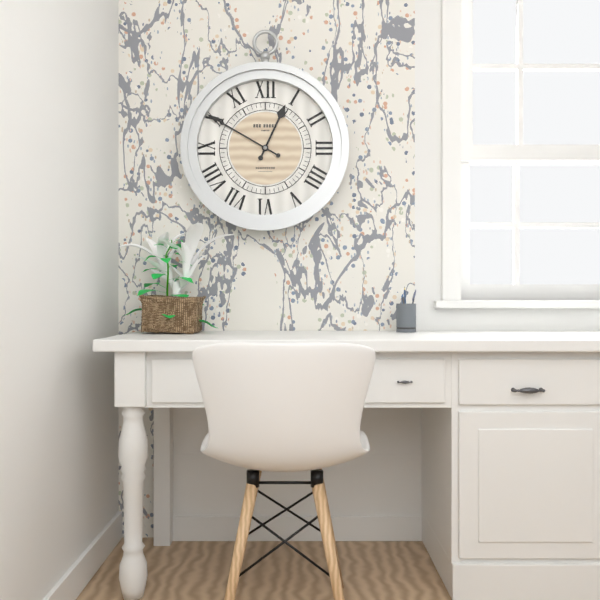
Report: 12:50
